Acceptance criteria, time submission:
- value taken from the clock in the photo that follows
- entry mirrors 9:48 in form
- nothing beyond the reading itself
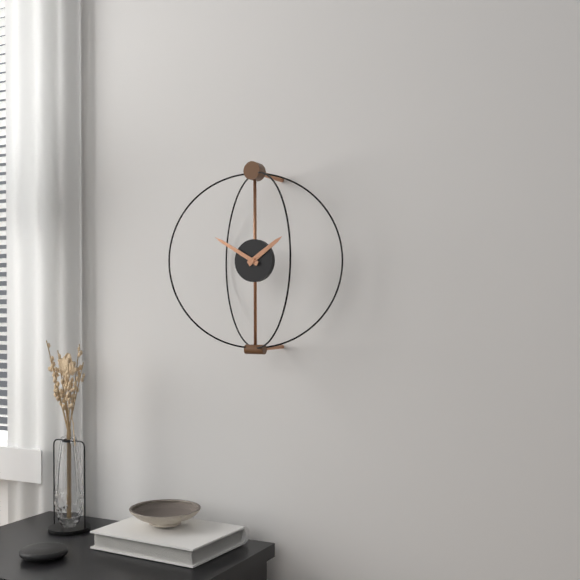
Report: 1:50
